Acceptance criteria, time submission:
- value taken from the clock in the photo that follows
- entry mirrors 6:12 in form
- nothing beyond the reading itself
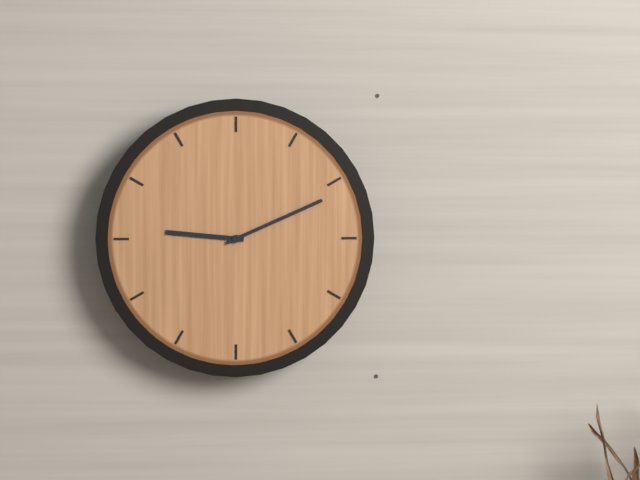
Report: 9:11
